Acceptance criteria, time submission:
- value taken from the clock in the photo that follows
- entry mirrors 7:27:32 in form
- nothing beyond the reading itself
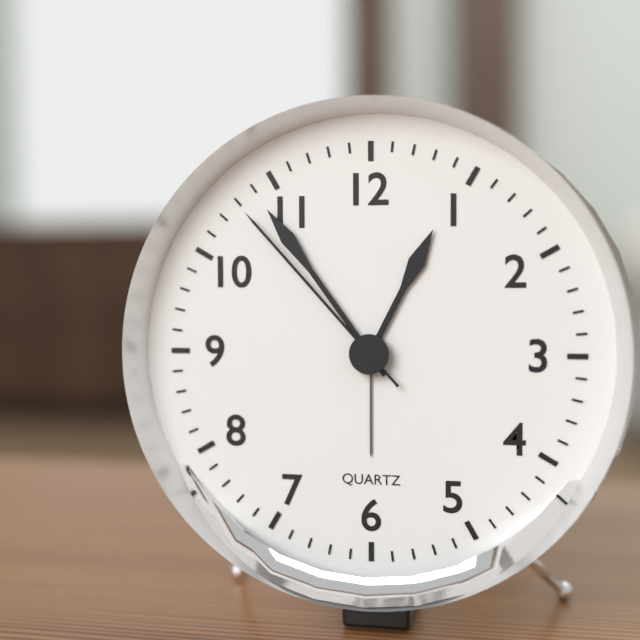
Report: 12:54:53
